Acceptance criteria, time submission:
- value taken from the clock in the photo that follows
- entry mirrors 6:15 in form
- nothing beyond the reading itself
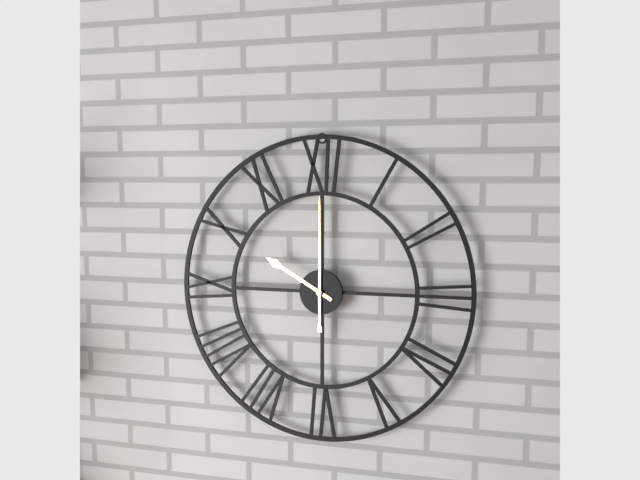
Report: 10:00
